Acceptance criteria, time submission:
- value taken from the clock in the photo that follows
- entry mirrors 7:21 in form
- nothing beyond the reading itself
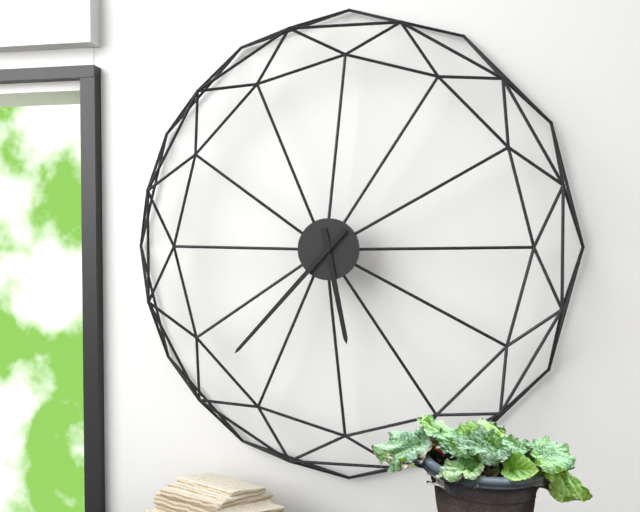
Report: 5:37
